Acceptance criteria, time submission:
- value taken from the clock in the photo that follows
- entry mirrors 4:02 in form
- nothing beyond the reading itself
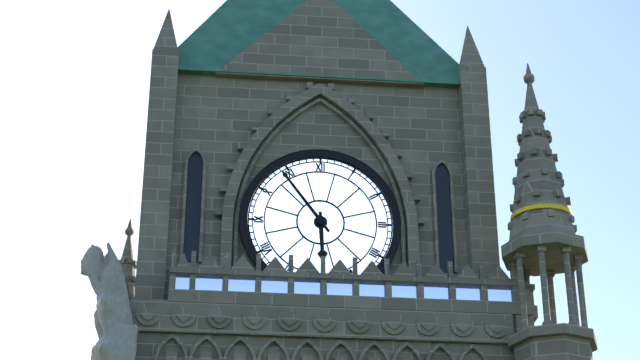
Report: 5:54
